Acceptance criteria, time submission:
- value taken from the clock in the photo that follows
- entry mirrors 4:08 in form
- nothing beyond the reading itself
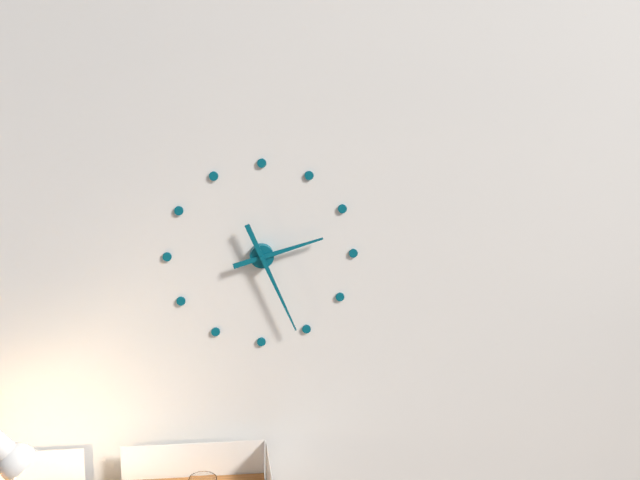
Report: 2:26
